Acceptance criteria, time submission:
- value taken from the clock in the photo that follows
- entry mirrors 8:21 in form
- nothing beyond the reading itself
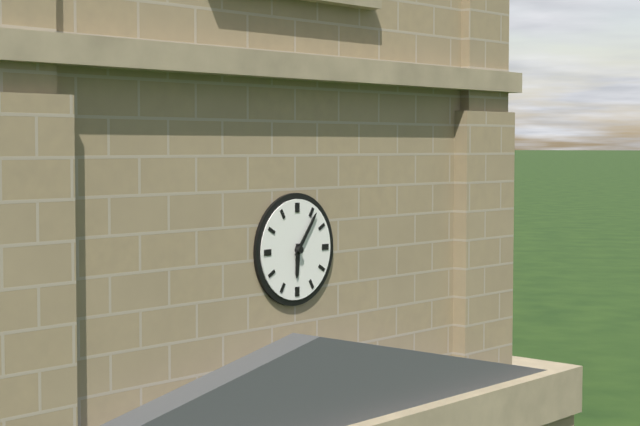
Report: 6:06
